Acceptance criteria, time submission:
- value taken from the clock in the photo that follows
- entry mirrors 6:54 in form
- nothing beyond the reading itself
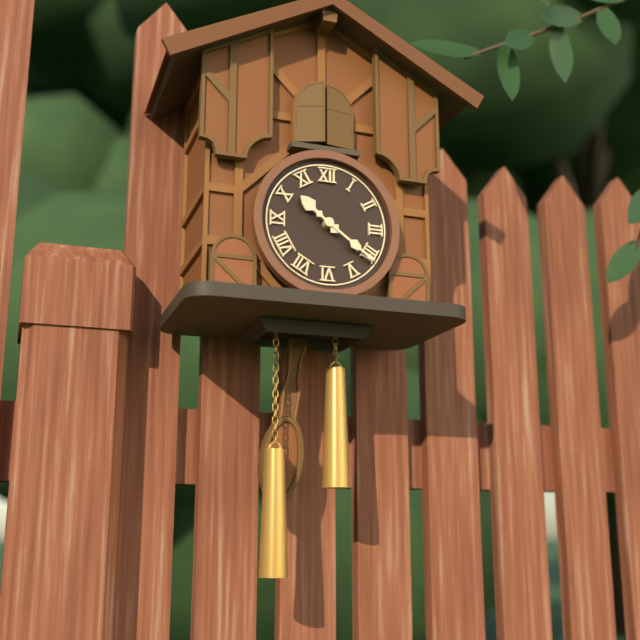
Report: 10:21
